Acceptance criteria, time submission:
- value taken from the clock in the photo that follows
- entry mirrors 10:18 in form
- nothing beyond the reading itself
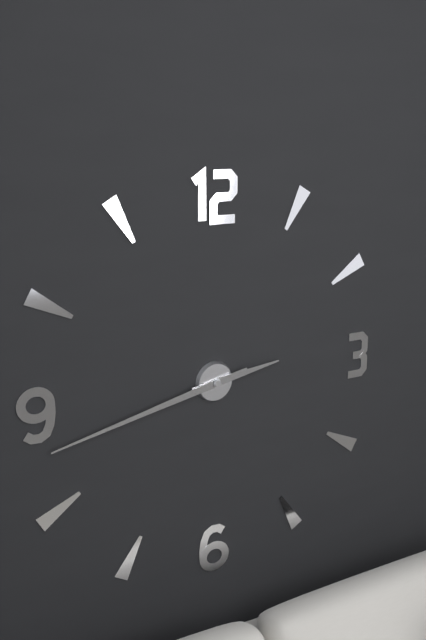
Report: 2:43
